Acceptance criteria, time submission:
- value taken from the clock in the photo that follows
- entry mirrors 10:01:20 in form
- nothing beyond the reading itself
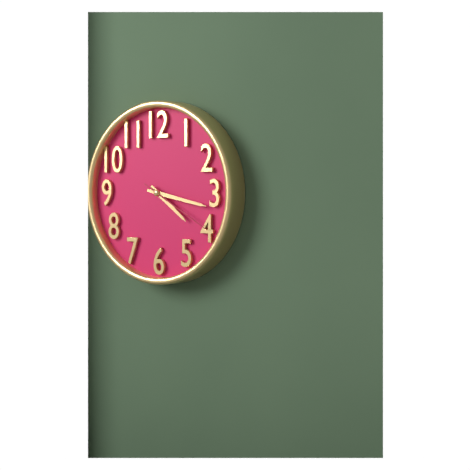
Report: 4:17:20
